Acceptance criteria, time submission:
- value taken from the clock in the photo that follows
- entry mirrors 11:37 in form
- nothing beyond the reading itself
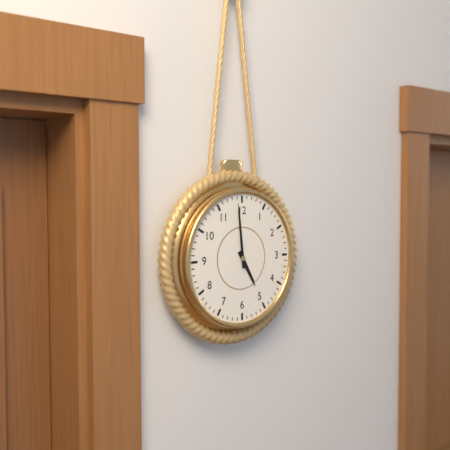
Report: 4:59
